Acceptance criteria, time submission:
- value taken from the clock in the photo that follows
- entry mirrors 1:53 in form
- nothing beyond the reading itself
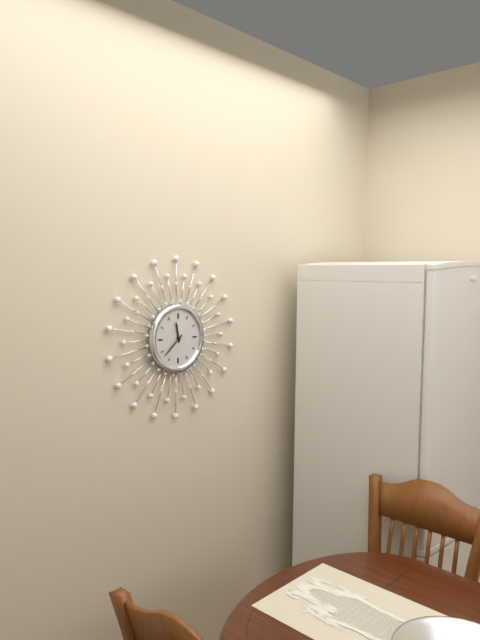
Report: 11:38
